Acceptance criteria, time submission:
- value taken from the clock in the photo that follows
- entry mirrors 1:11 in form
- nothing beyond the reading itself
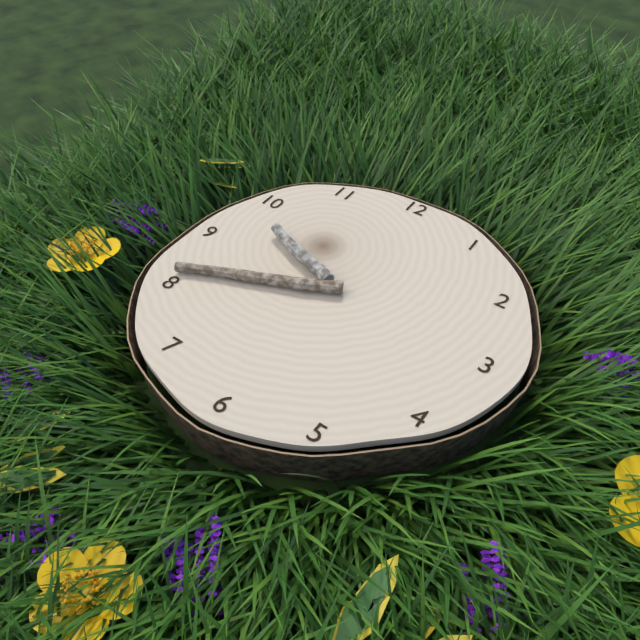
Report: 9:41
